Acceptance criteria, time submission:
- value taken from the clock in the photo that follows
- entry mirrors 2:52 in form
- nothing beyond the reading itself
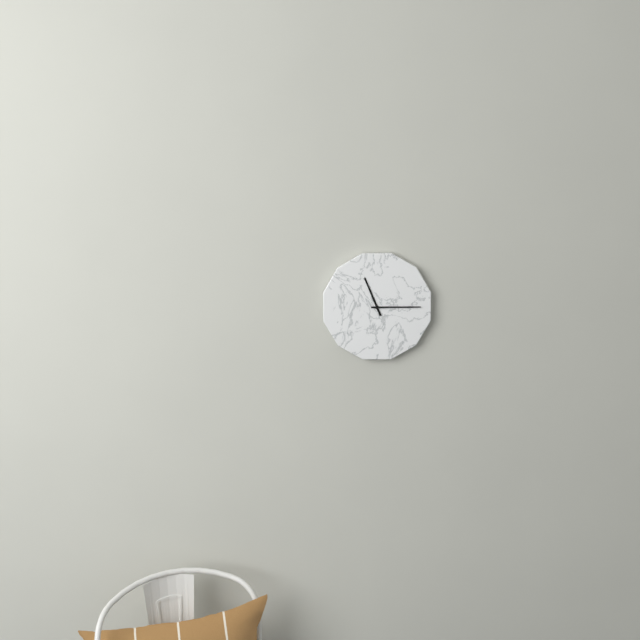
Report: 11:15
